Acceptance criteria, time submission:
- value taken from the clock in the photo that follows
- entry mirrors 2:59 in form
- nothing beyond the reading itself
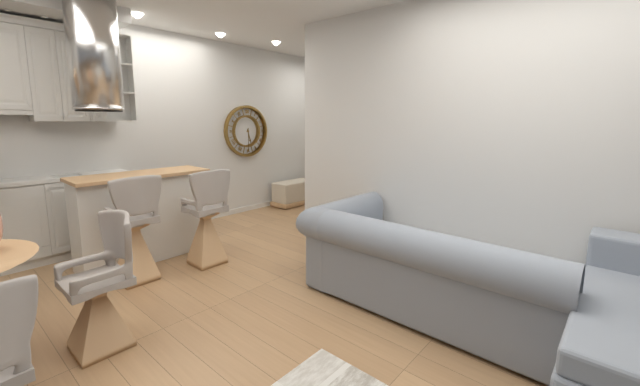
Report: 5:30
